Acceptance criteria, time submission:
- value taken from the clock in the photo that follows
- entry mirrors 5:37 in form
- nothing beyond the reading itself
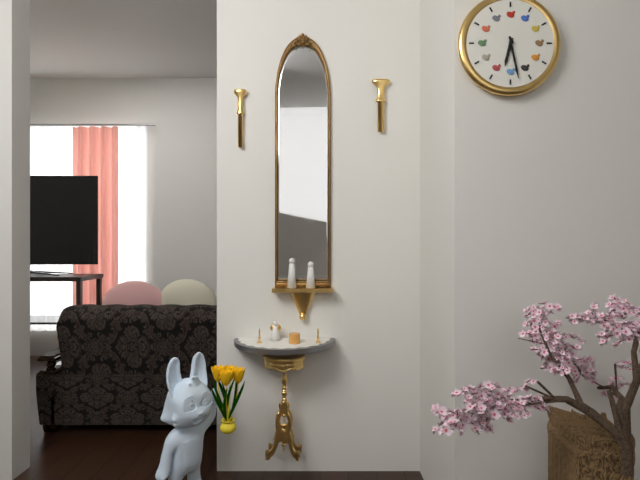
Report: 6:28
